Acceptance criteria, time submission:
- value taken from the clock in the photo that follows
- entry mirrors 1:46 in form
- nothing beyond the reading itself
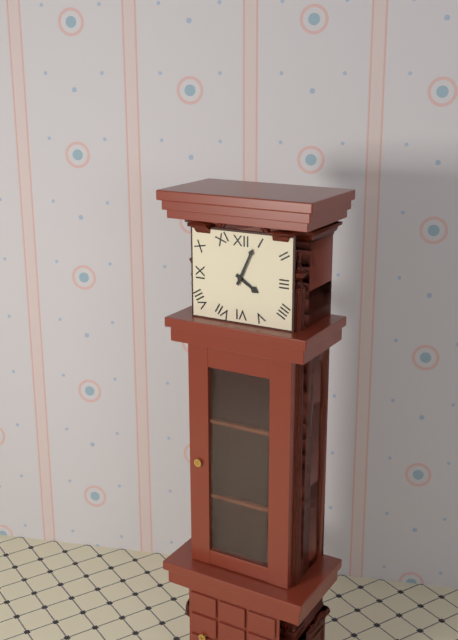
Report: 4:04
